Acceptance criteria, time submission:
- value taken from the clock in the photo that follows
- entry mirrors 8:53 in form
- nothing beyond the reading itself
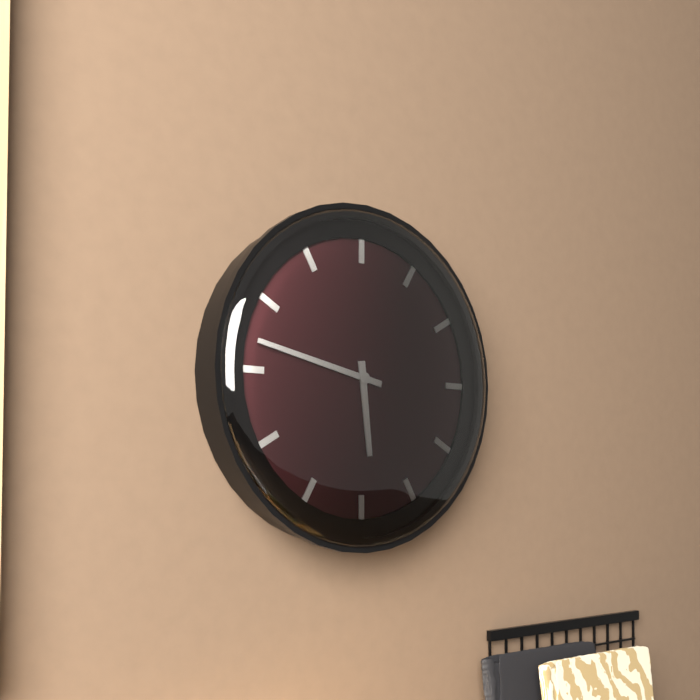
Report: 5:47
